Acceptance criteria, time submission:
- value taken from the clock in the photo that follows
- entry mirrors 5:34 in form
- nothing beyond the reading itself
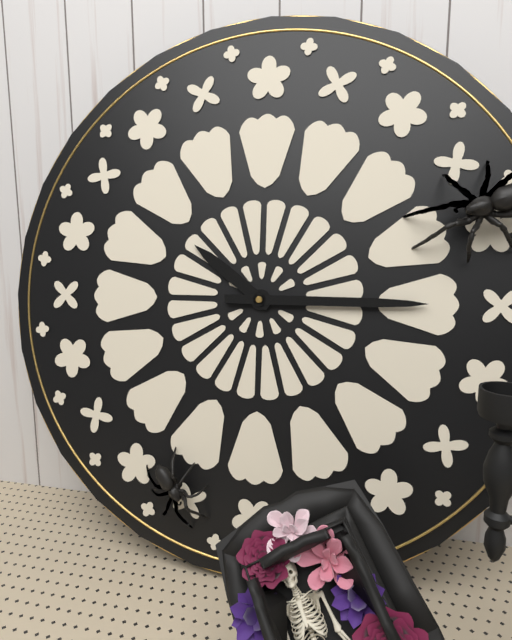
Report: 10:15
